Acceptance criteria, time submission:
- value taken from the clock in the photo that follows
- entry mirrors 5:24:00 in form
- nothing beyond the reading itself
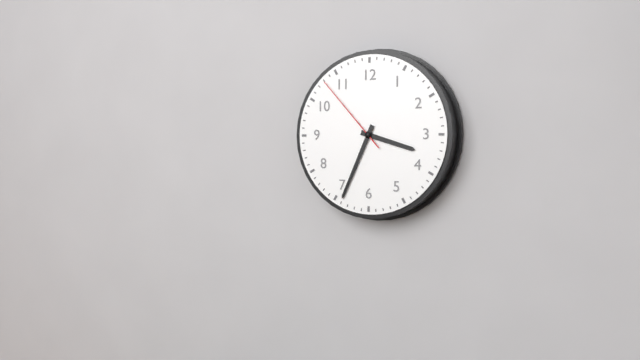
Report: 3:34:53
